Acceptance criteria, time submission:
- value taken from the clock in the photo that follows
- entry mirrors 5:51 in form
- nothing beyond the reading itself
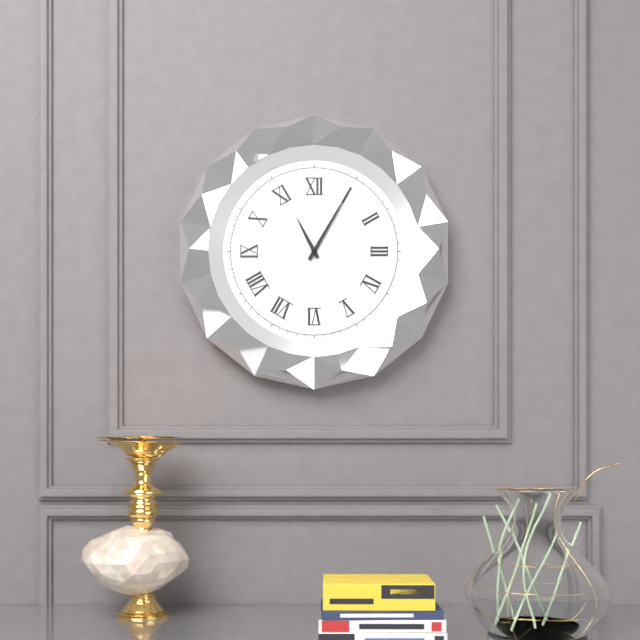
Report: 11:05
